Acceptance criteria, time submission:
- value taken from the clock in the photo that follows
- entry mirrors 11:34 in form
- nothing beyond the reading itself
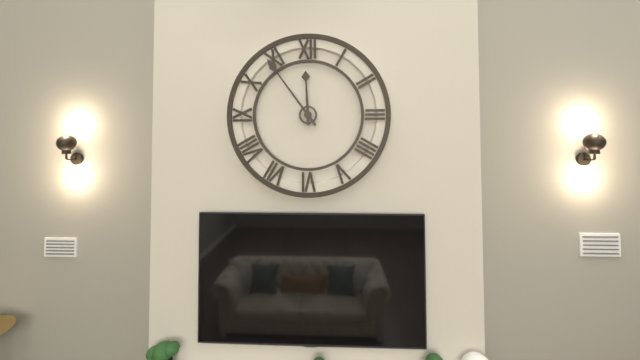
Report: 11:54
